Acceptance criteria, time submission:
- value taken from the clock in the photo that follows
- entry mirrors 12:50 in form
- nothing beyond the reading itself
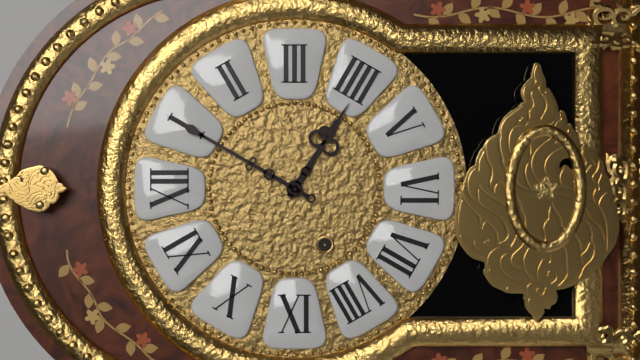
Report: 4:05
